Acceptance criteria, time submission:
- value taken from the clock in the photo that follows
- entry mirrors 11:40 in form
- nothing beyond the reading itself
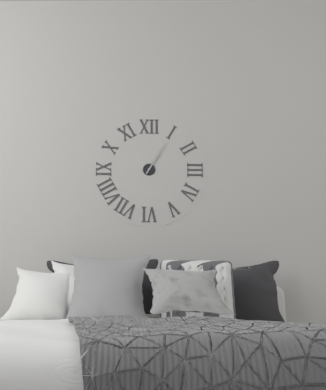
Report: 1:05
